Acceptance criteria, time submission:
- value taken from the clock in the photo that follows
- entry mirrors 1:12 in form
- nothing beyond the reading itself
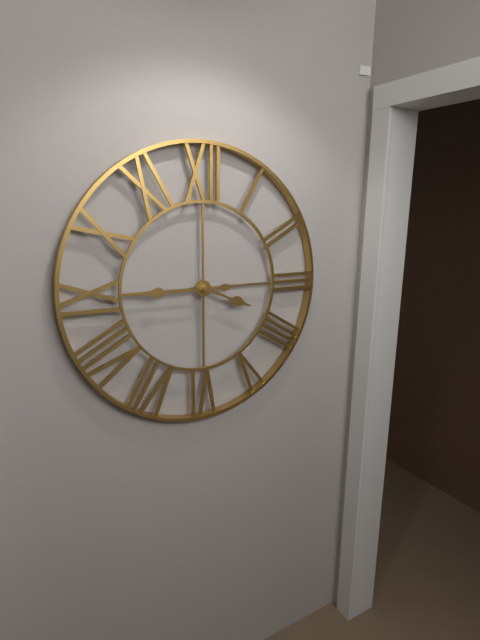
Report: 3:45
